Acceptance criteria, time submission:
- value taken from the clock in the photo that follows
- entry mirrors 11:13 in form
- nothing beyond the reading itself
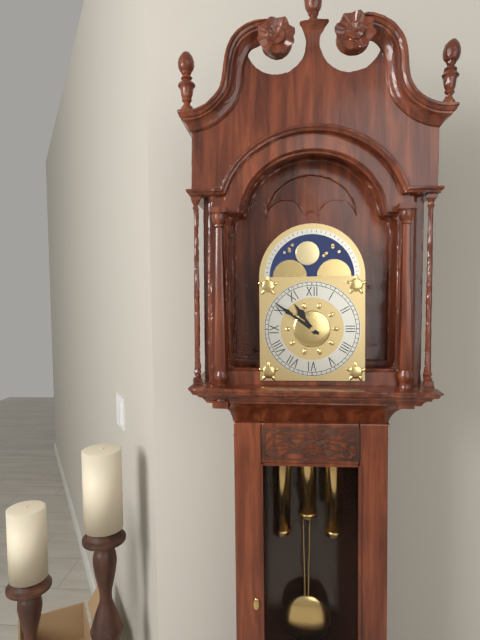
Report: 10:51
